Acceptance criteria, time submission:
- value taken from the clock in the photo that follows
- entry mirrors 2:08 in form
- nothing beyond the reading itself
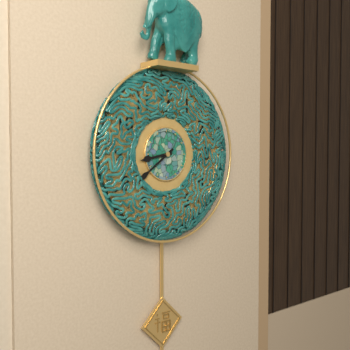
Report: 8:39
